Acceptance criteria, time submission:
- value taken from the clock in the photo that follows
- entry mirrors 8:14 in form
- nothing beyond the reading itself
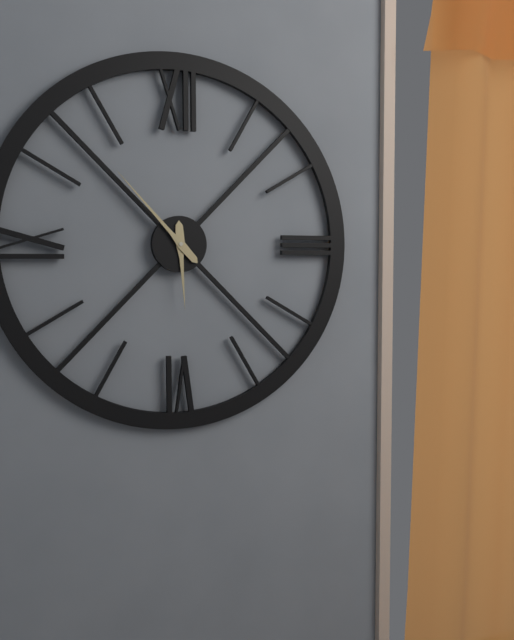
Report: 5:53
